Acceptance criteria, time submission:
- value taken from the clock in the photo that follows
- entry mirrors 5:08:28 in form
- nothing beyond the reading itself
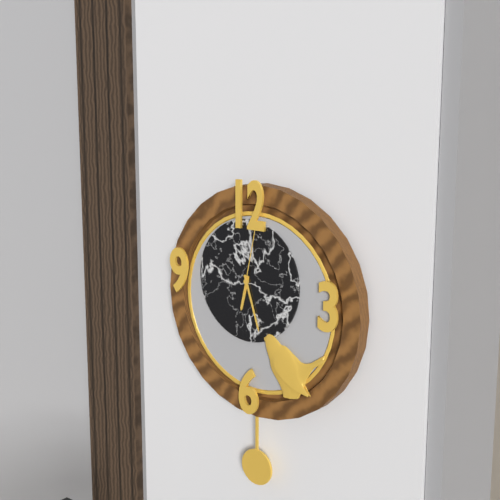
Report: 6:27:02
